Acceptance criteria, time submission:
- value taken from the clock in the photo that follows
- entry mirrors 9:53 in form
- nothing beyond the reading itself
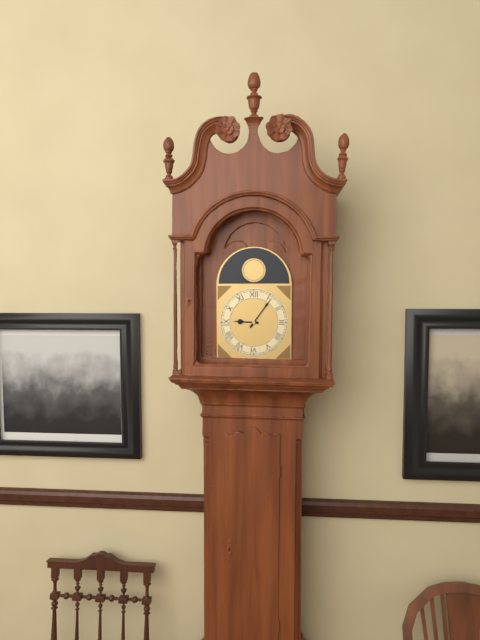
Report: 9:06
